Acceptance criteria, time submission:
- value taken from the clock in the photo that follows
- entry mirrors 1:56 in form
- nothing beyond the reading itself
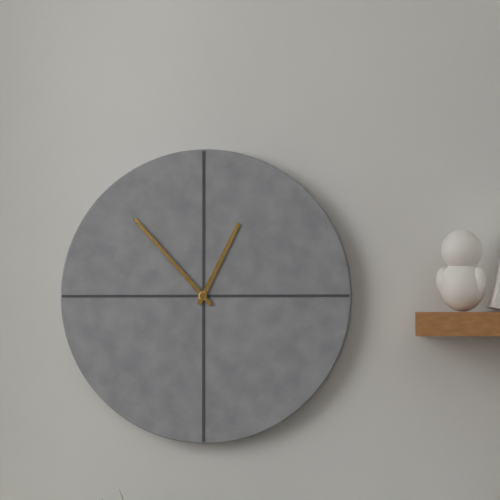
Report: 12:53
